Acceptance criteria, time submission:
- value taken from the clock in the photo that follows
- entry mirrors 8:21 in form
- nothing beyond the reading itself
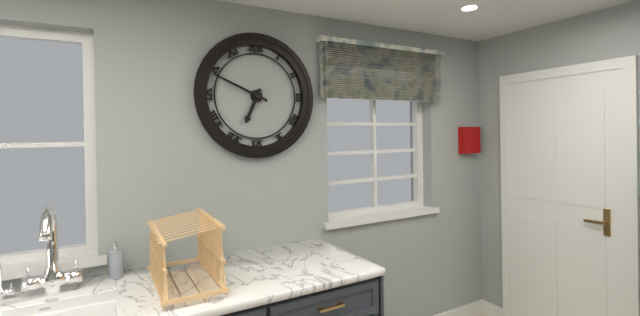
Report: 6:49
